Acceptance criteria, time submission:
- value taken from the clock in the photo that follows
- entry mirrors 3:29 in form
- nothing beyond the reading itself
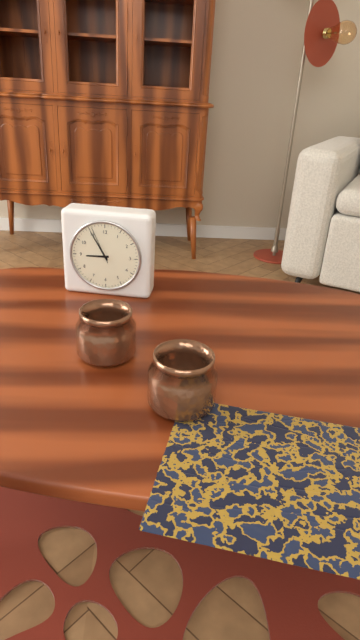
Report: 8:55
